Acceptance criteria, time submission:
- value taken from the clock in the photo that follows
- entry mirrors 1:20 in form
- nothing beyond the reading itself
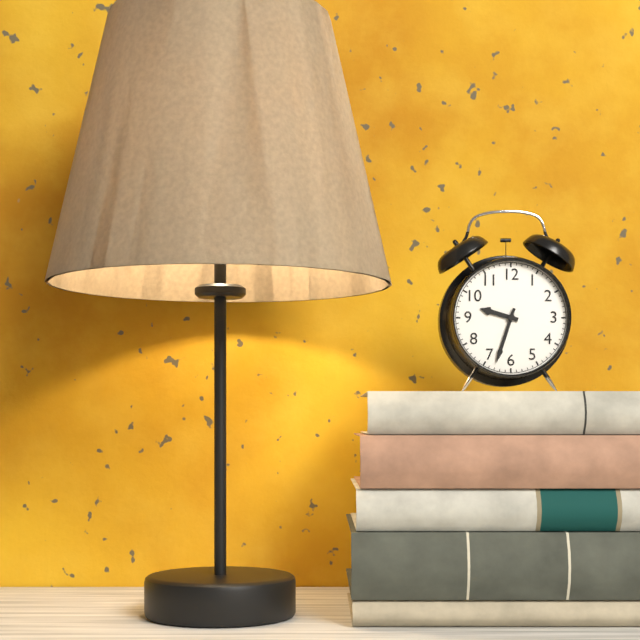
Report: 9:33
